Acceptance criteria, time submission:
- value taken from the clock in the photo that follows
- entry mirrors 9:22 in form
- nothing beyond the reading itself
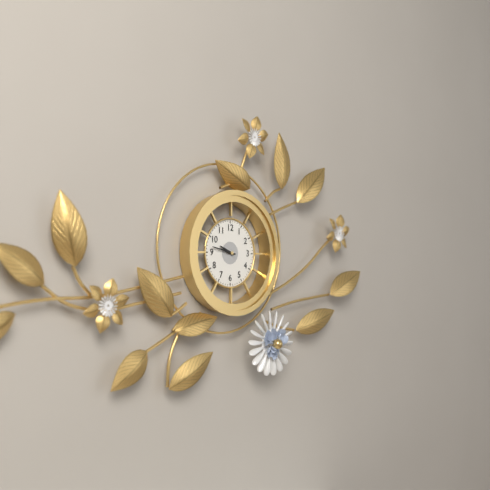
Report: 9:47
